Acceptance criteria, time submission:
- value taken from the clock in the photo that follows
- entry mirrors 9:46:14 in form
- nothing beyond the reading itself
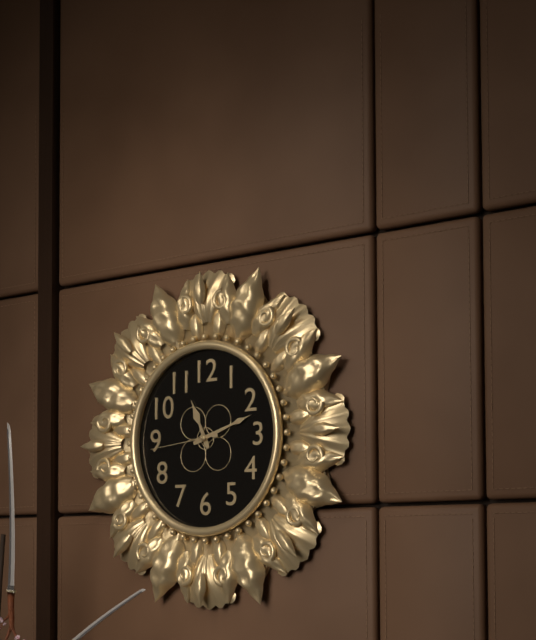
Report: 11:12:44
